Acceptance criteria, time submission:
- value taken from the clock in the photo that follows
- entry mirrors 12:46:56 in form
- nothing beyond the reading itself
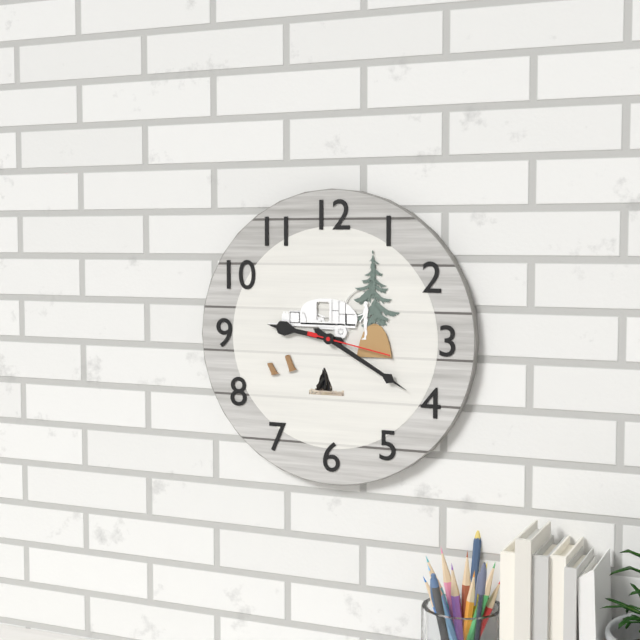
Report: 9:20:17
